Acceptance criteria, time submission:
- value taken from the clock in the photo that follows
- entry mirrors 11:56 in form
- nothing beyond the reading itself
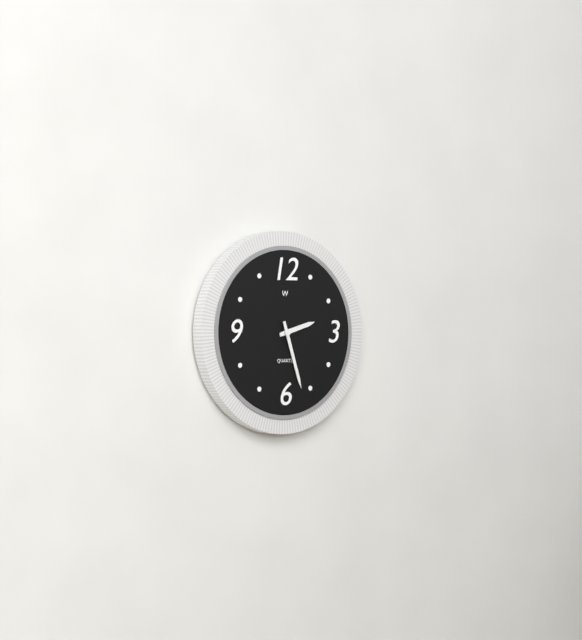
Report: 2:27
